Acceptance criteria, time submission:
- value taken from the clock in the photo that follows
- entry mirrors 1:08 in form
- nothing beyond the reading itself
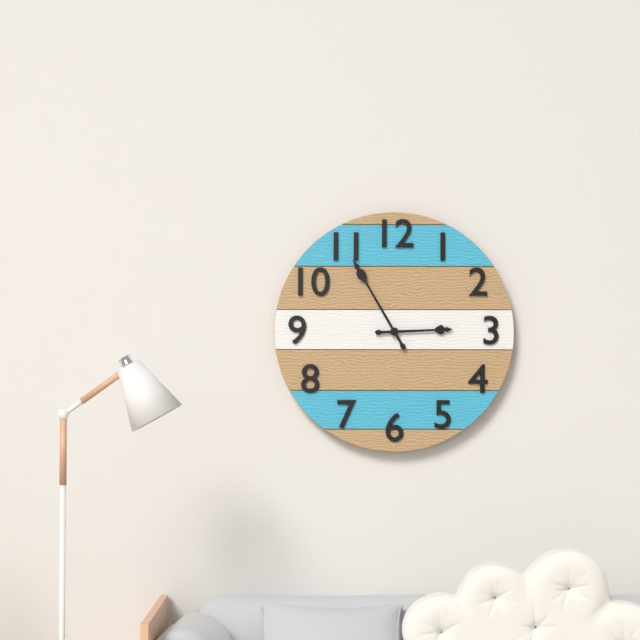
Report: 2:55
